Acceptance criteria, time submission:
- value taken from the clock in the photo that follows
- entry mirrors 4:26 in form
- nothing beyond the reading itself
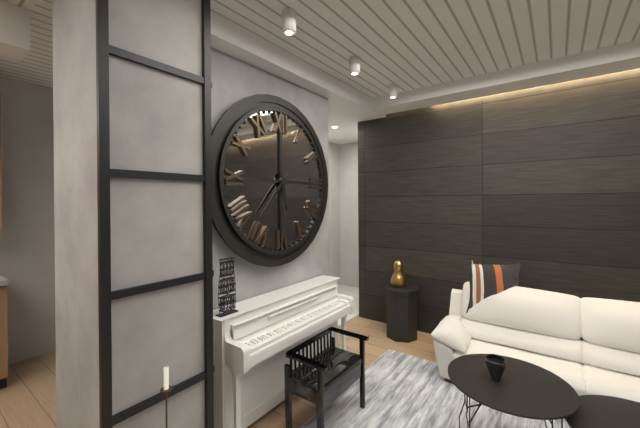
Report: 5:37
